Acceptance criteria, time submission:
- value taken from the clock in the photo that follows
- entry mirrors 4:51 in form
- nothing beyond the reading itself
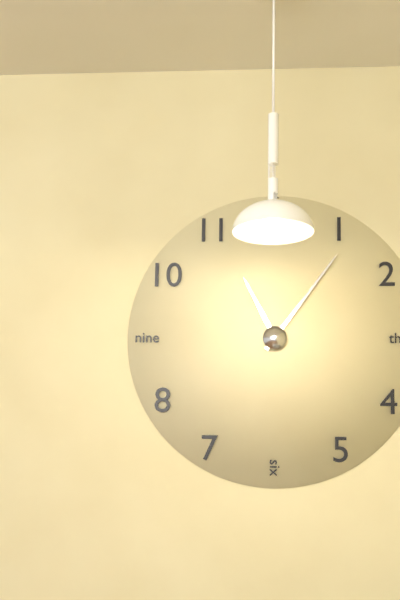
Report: 11:06
